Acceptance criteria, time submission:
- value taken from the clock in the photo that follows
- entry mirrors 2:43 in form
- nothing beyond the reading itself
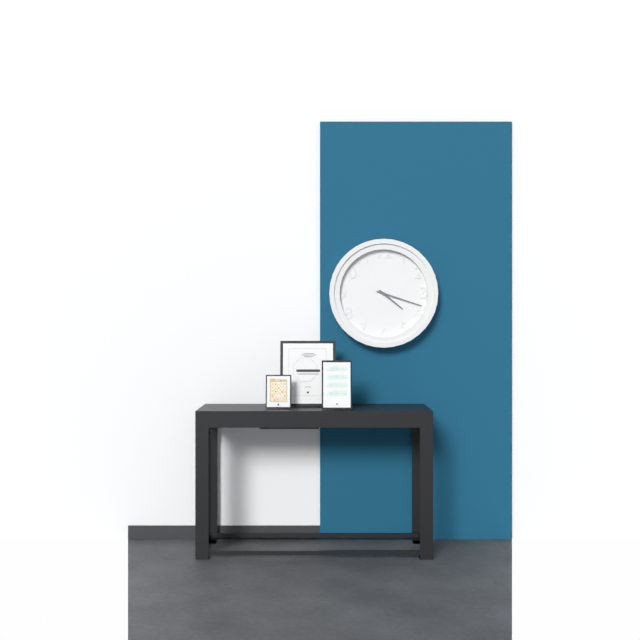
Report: 4:18
